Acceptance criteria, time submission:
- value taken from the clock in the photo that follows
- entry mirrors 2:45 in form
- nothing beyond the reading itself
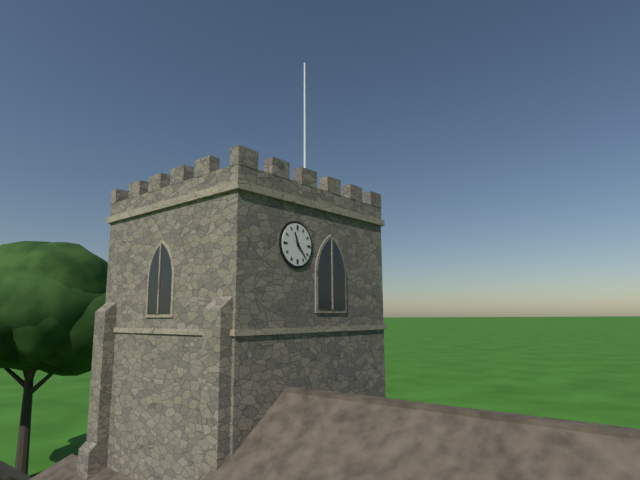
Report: 11:23
